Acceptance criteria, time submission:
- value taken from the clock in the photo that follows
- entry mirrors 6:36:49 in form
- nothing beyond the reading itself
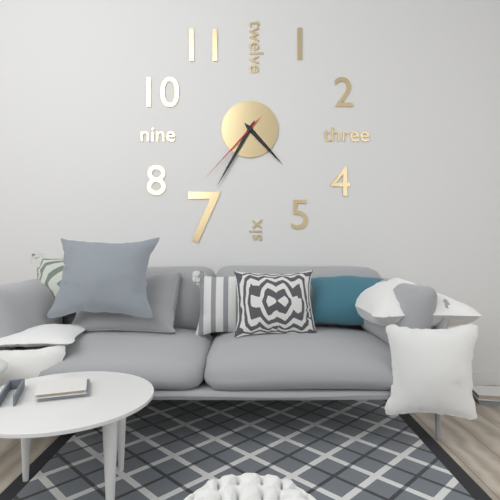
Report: 4:35:37
